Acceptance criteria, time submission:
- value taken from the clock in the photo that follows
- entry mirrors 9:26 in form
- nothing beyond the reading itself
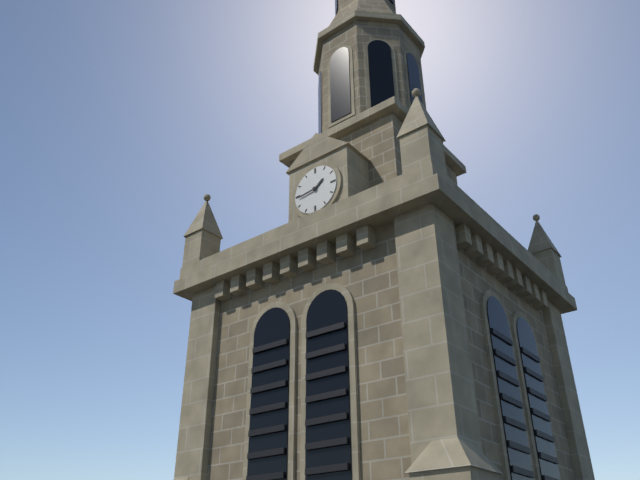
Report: 1:44
